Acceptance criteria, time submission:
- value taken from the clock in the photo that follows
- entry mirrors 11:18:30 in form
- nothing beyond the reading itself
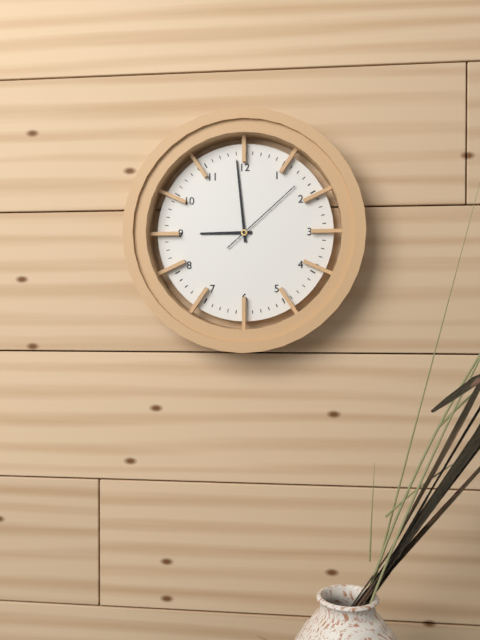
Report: 8:59:08
